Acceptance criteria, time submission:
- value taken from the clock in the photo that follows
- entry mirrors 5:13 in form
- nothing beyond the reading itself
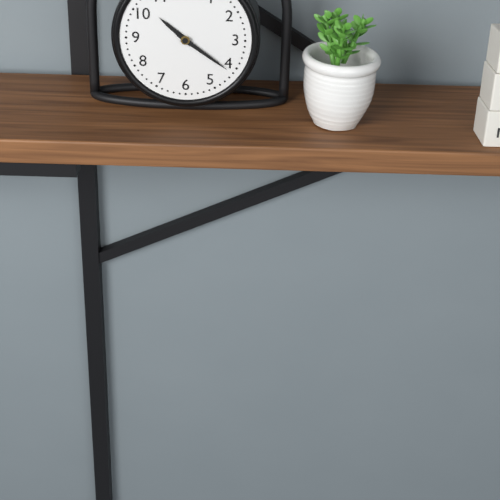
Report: 10:21
